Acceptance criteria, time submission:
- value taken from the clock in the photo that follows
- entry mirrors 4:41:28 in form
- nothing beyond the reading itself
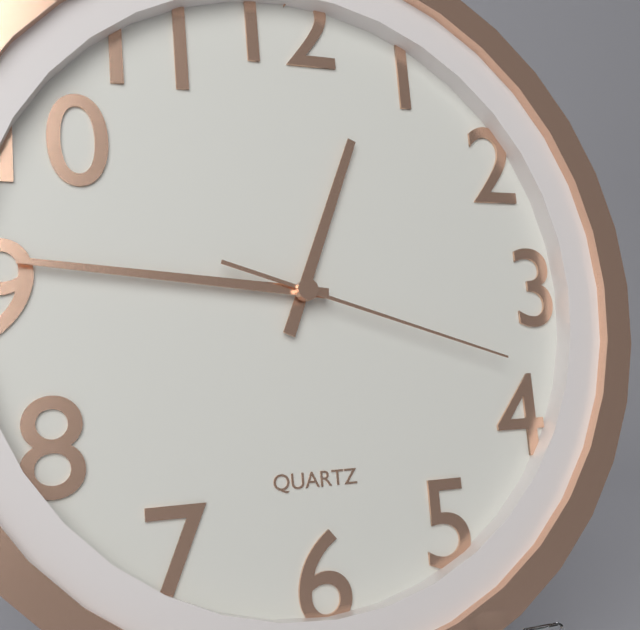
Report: 12:46:18
